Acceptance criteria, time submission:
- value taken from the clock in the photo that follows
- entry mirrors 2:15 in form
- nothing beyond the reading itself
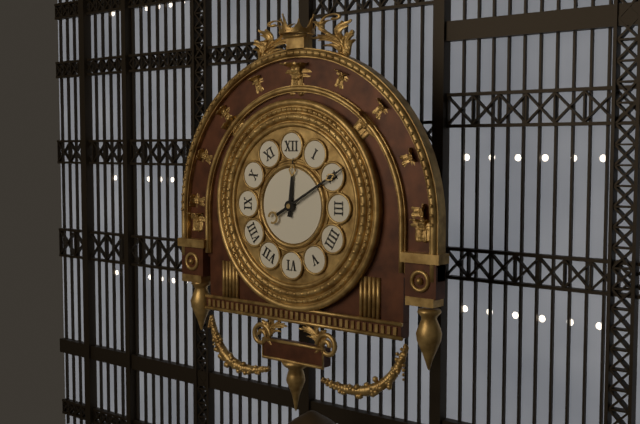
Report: 12:10
